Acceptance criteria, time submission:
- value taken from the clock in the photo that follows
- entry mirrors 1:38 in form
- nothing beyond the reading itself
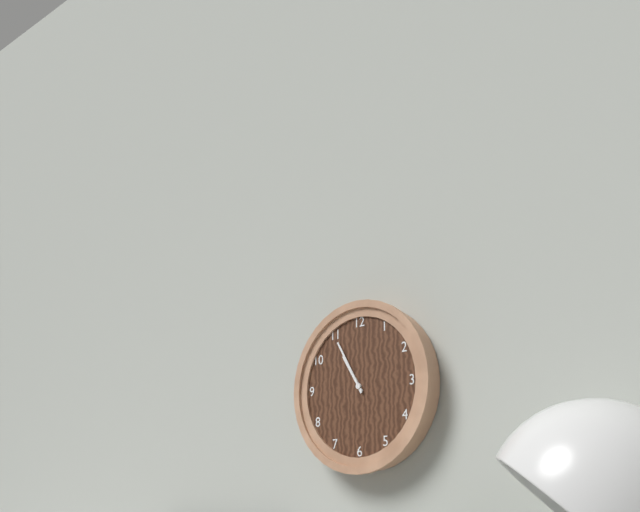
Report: 10:55
